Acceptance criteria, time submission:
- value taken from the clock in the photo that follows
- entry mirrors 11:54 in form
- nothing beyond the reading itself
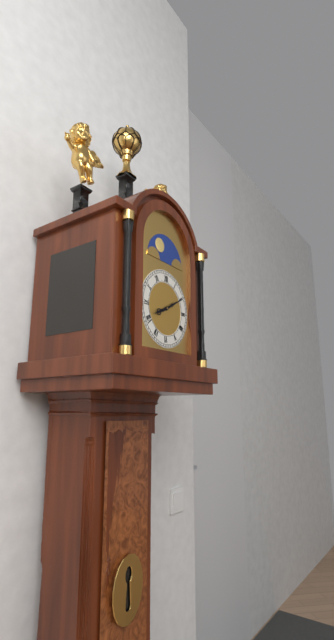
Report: 8:10
